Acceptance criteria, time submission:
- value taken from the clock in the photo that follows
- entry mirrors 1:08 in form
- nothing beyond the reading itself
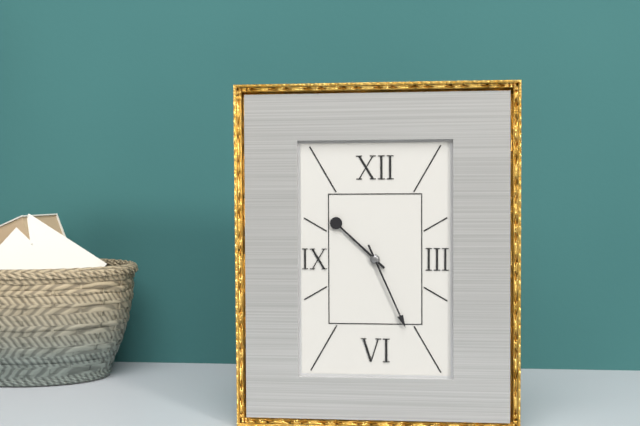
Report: 10:26
